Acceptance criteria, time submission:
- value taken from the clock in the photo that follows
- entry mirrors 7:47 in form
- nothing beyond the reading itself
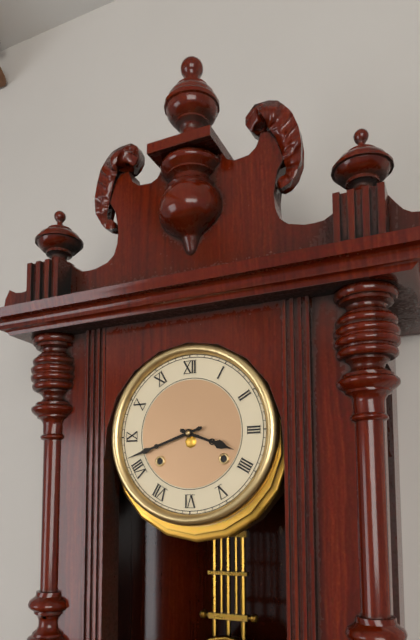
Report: 3:42
